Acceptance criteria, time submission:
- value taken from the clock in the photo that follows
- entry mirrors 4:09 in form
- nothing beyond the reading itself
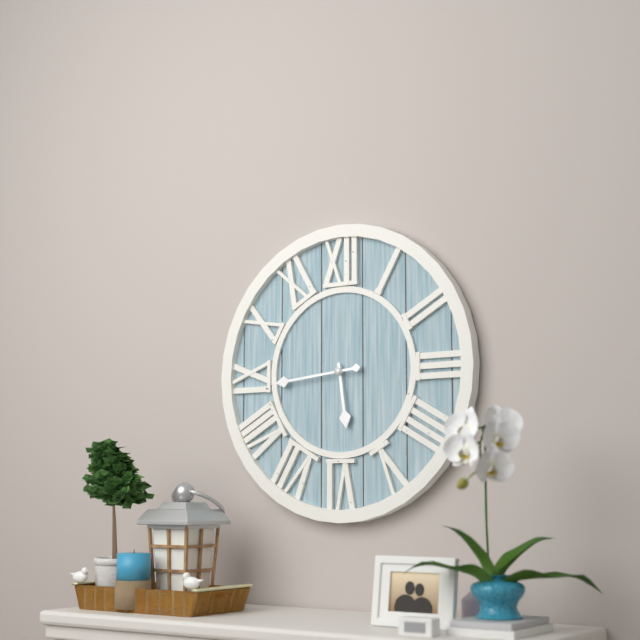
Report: 5:44
